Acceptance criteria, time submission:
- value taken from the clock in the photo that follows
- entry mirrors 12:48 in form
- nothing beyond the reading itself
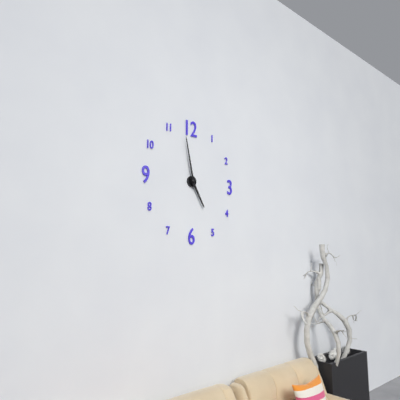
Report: 4:58
